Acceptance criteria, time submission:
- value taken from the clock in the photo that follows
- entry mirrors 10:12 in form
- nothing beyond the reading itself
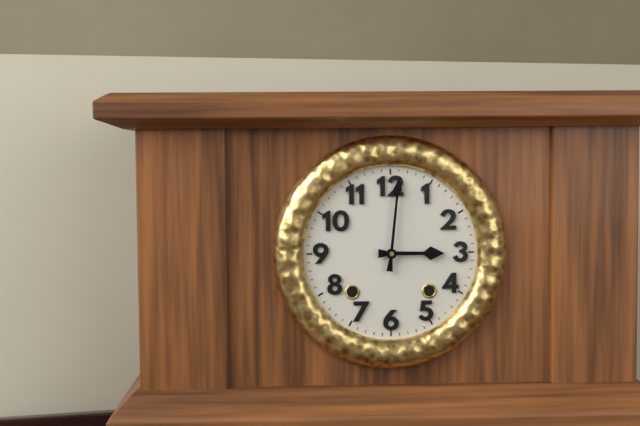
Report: 3:01
